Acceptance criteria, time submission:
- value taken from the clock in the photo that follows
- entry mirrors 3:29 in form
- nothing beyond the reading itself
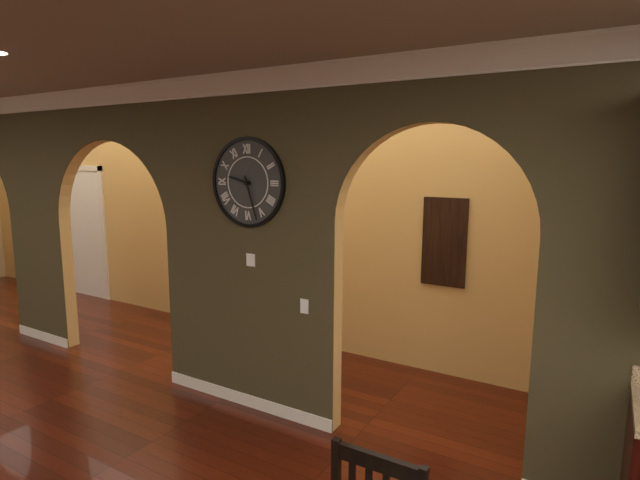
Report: 9:27
